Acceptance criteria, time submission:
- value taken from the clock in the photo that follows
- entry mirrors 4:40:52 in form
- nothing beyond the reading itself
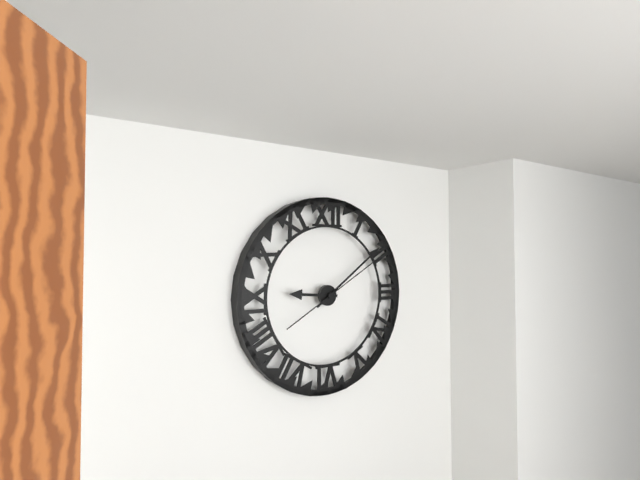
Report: 9:09:10
